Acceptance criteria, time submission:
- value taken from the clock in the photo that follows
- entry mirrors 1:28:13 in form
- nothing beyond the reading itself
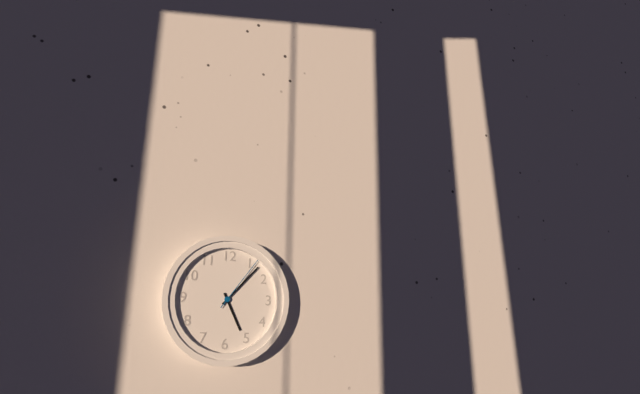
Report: 5:07:06
